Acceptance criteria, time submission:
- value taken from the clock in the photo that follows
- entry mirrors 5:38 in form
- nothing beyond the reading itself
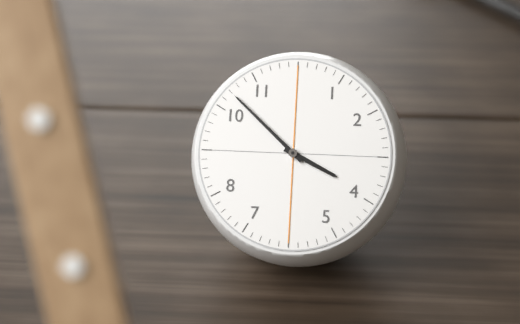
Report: 3:52
